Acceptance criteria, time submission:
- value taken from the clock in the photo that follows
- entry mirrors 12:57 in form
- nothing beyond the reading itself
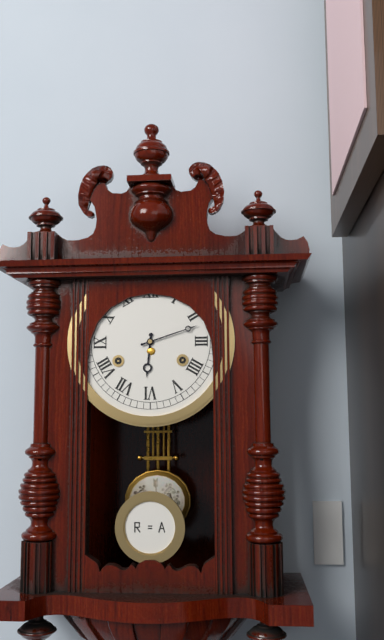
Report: 6:12
